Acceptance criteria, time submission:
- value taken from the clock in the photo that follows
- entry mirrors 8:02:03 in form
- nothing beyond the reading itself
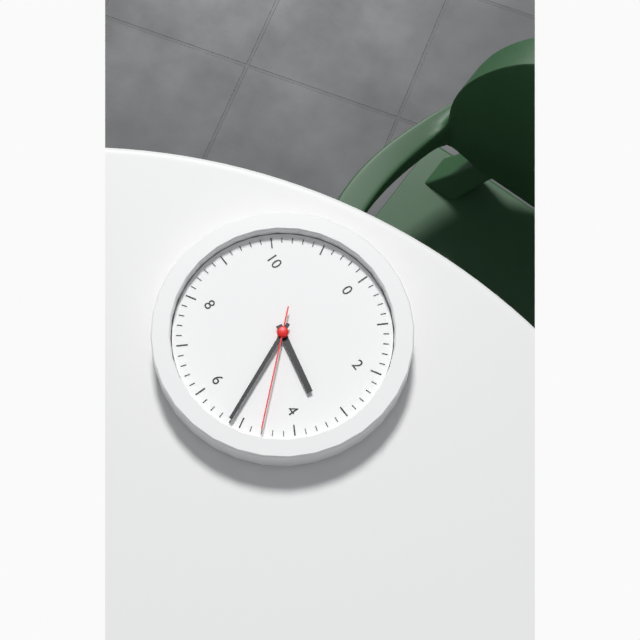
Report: 3:26:23
